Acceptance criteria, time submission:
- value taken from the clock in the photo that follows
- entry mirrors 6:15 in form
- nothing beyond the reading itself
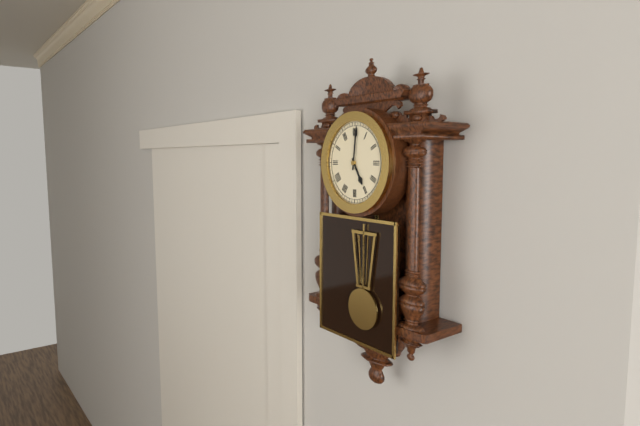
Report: 5:01
